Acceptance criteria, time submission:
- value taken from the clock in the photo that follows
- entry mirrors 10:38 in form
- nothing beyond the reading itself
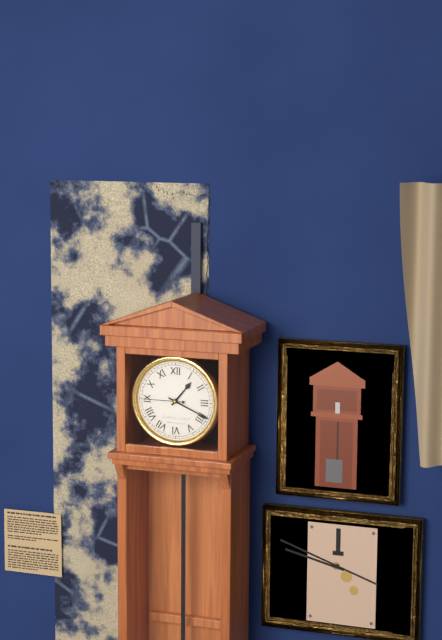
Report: 1:19
